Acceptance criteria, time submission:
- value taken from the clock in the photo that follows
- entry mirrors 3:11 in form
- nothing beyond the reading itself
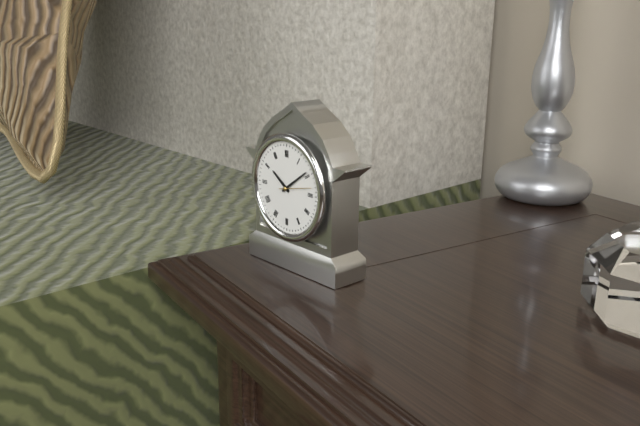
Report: 10:09
